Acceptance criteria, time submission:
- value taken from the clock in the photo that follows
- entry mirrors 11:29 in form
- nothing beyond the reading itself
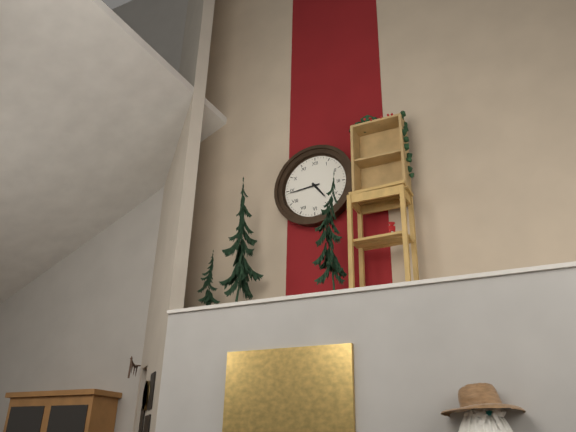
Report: 4:44
